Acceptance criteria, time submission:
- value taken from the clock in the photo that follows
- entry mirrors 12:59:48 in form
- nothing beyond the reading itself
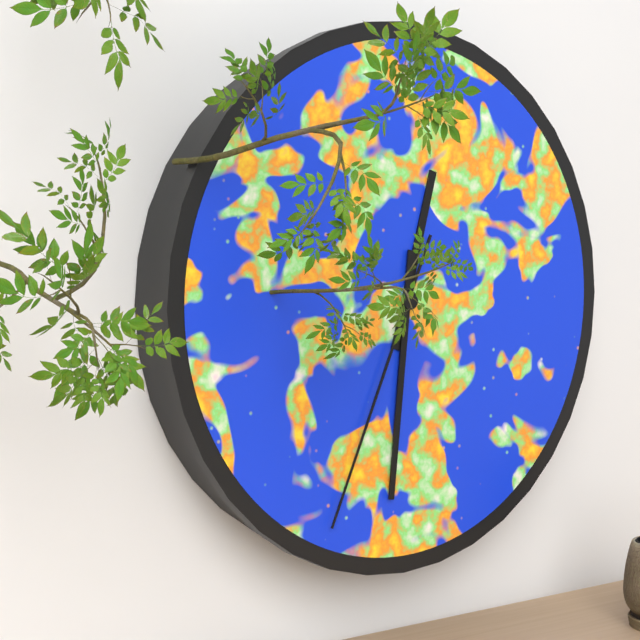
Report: 12:31:34
